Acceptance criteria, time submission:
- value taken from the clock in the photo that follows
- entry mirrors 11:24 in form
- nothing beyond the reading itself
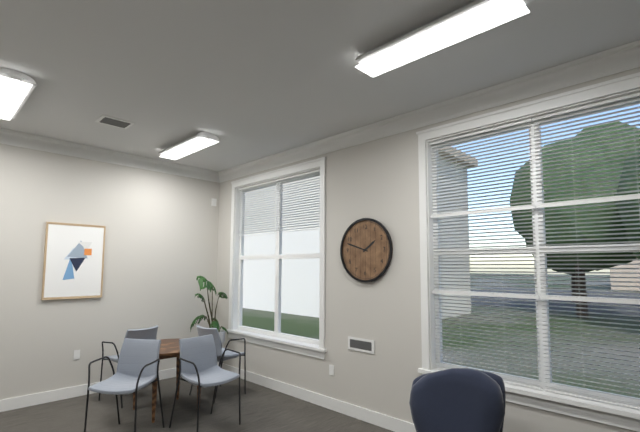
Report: 1:48
